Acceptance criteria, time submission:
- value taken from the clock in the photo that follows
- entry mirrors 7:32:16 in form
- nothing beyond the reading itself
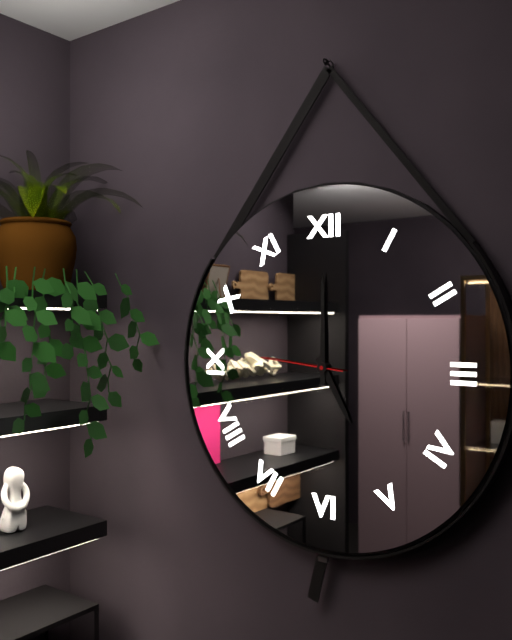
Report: 5:00:46
